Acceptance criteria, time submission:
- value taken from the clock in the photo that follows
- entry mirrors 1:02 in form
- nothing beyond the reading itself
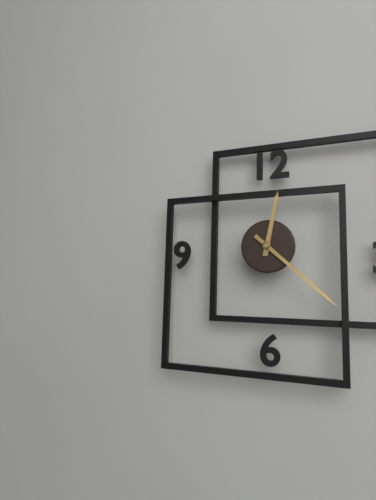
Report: 12:22
